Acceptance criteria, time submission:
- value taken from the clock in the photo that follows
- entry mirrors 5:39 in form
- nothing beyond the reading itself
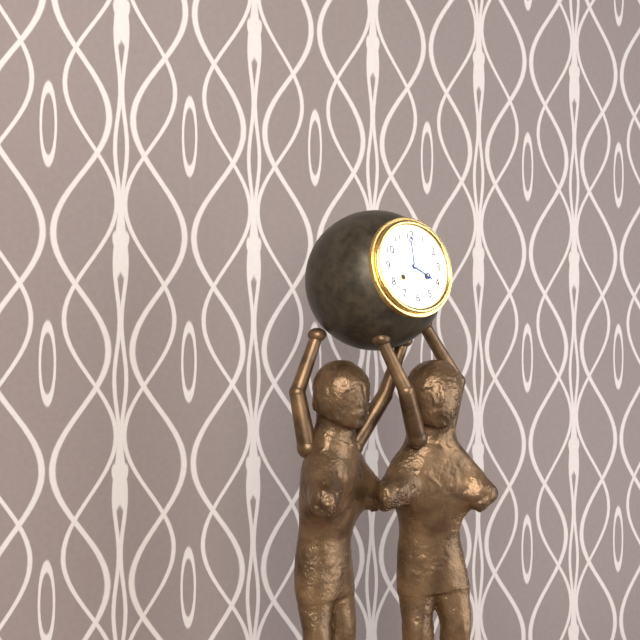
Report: 4:00
